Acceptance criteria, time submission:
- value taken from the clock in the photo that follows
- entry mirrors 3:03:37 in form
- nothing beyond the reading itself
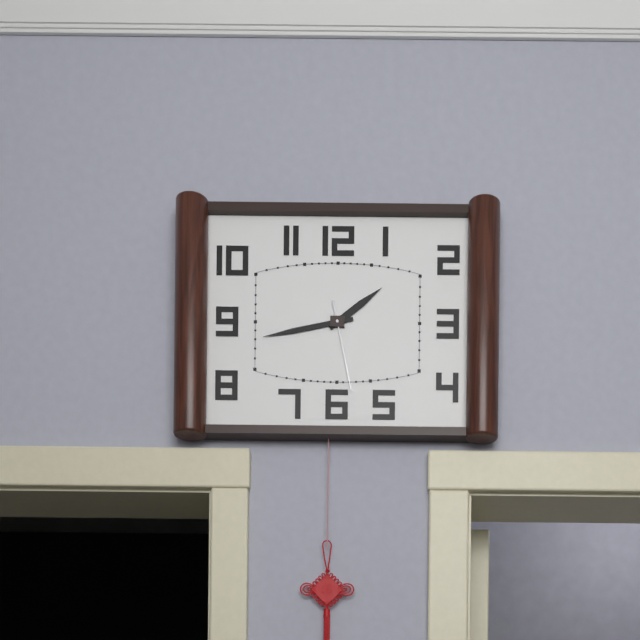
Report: 1:43:28
